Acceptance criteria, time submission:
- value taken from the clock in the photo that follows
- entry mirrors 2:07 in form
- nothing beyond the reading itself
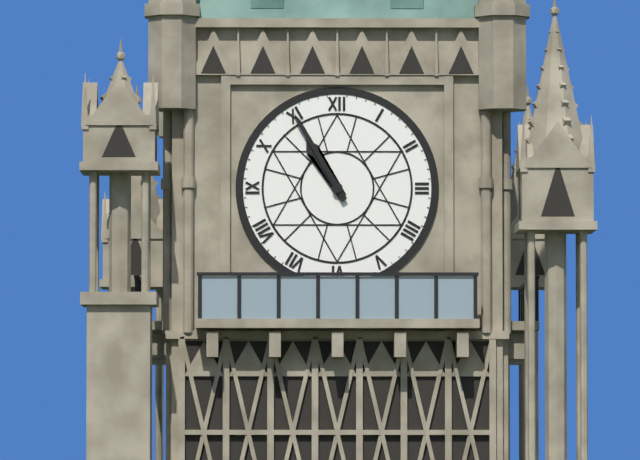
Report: 10:55
